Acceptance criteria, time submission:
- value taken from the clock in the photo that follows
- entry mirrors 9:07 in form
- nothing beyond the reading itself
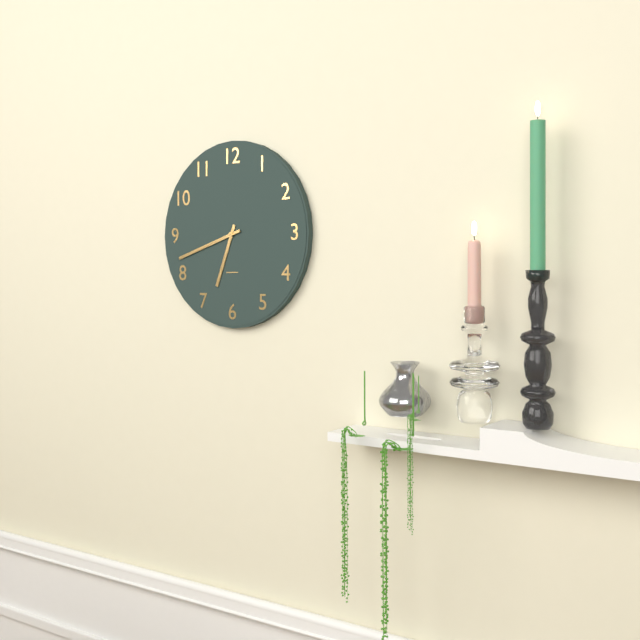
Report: 6:42
